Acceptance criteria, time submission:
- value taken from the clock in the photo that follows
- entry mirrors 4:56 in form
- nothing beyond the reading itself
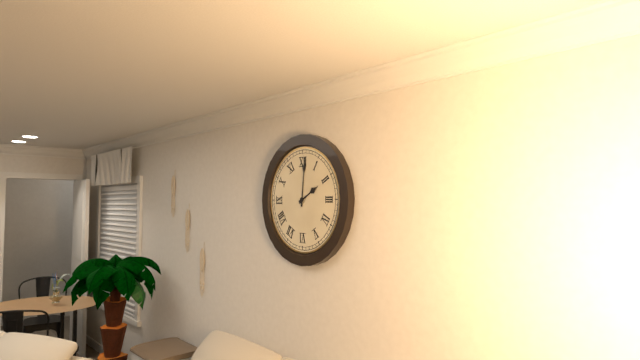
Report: 2:01
